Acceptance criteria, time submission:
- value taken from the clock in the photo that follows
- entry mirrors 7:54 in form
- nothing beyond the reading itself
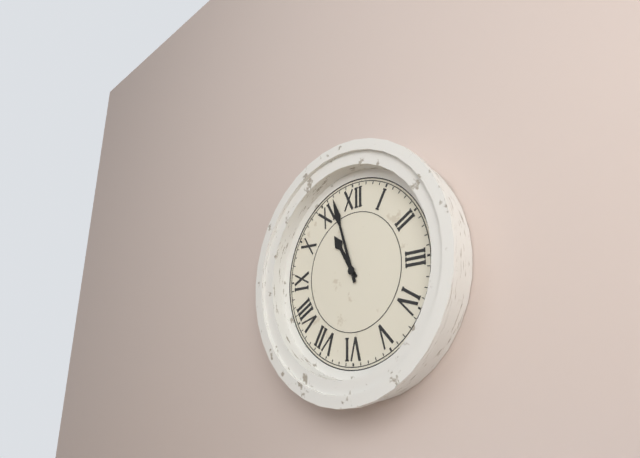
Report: 10:57
